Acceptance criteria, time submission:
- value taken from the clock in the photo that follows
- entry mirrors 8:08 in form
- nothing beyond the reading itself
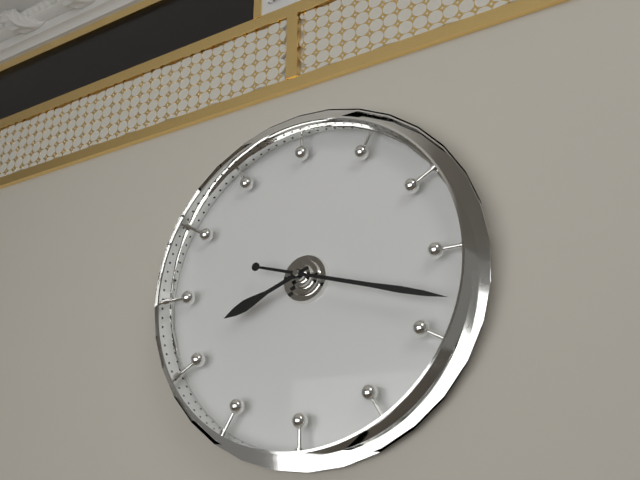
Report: 8:18
